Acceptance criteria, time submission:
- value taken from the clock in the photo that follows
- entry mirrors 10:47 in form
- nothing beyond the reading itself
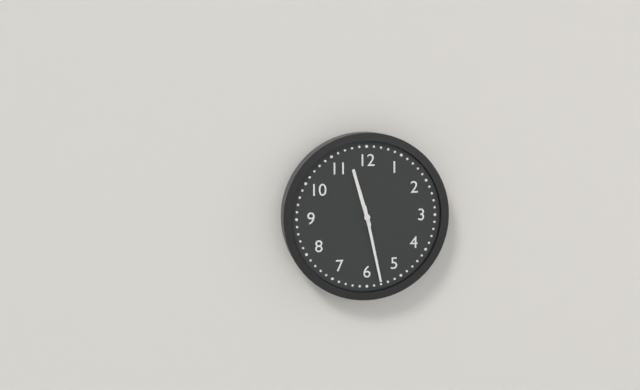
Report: 11:28
